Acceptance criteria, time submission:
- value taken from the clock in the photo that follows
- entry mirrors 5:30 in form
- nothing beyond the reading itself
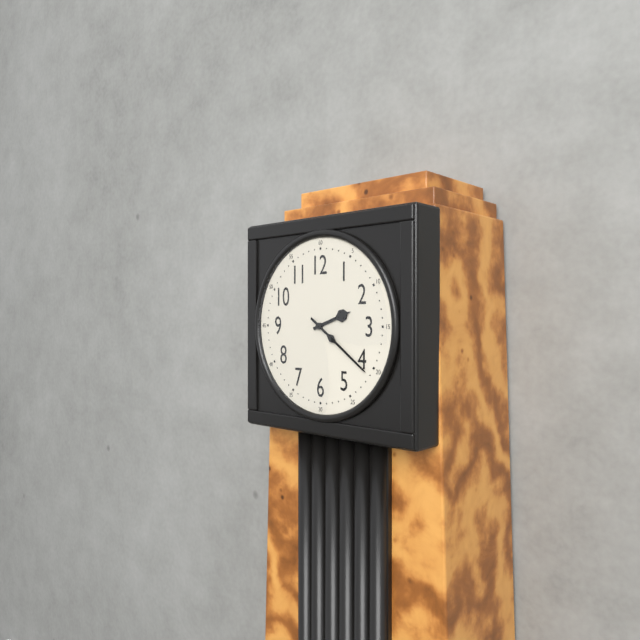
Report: 2:21
